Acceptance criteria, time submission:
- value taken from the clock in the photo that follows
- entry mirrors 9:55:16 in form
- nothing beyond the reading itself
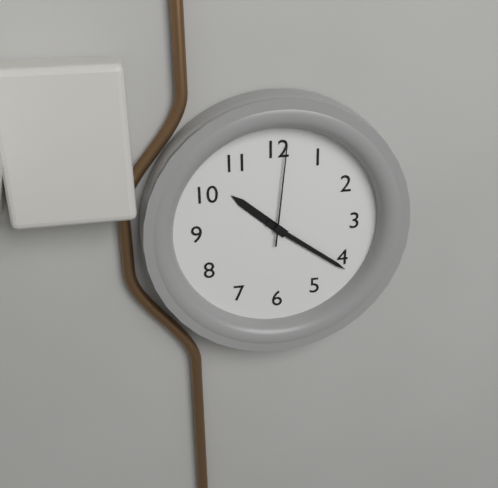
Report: 10:21:01
